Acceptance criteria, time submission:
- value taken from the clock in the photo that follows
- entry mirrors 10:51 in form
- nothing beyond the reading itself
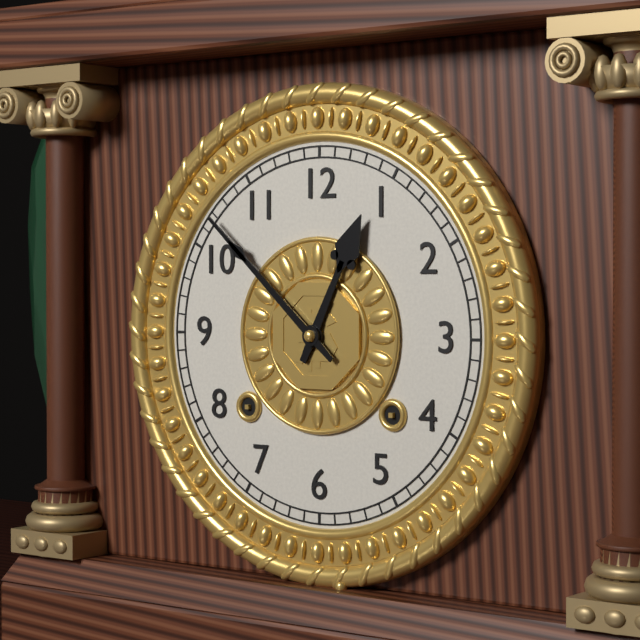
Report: 12:52
